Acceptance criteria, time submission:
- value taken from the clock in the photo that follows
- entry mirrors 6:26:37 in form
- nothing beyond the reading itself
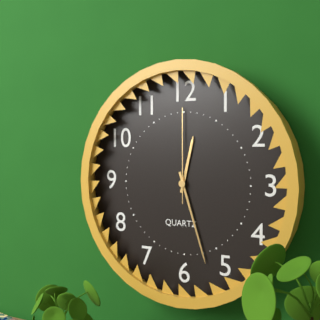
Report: 12:27:00
